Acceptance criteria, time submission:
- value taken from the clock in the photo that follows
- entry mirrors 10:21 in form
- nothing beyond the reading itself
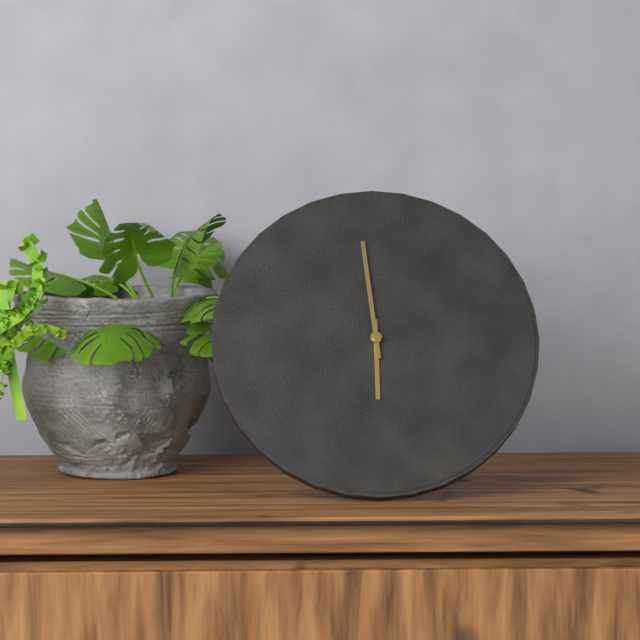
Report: 5:59
